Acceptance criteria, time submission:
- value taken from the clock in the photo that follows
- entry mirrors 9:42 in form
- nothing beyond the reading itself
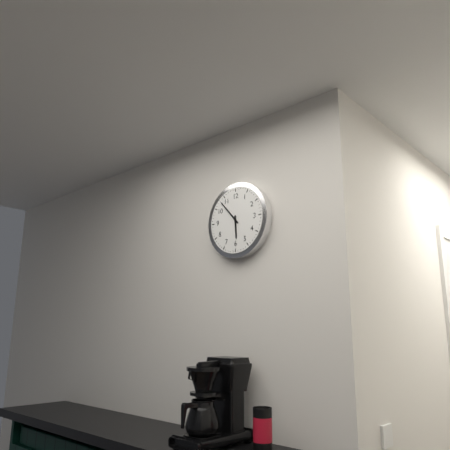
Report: 5:53
